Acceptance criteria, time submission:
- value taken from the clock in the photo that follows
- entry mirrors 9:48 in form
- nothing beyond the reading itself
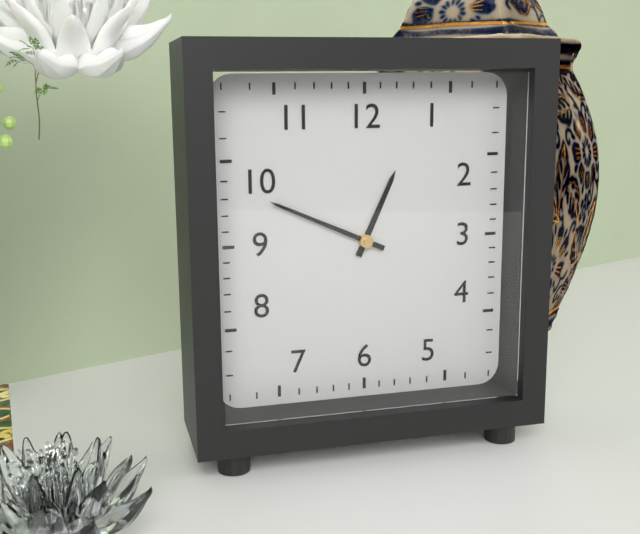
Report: 12:49
